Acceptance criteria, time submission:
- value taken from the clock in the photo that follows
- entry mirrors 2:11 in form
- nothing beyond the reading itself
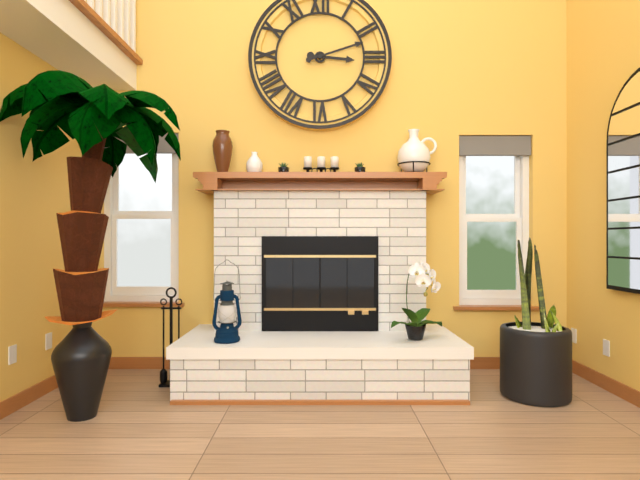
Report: 3:12
